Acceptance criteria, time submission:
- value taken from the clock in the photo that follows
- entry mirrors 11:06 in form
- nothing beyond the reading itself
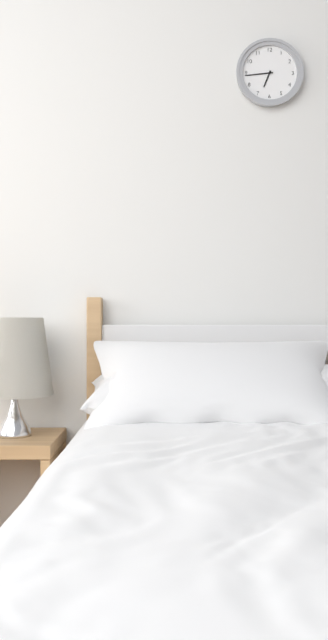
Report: 6:44
